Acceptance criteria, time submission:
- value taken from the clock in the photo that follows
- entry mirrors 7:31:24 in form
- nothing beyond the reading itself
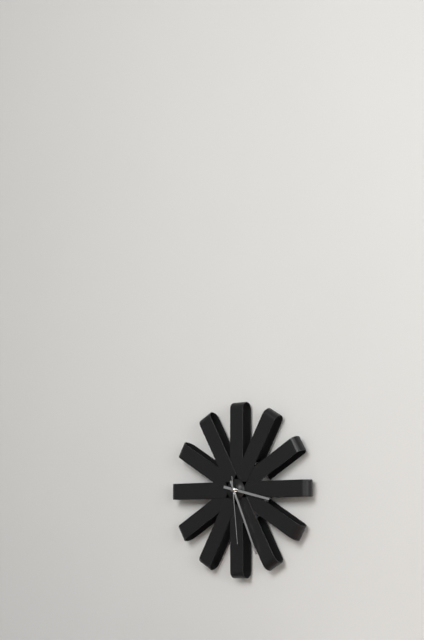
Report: 3:26:29
